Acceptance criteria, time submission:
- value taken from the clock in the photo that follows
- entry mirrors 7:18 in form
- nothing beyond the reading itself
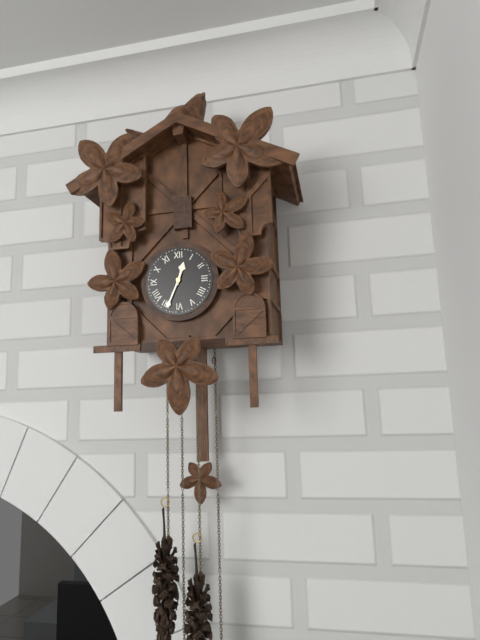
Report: 12:34
